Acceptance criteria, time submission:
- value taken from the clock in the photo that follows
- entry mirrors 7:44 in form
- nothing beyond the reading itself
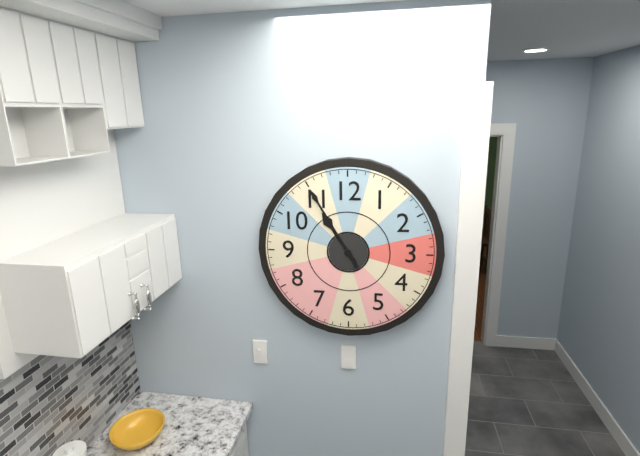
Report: 10:55
